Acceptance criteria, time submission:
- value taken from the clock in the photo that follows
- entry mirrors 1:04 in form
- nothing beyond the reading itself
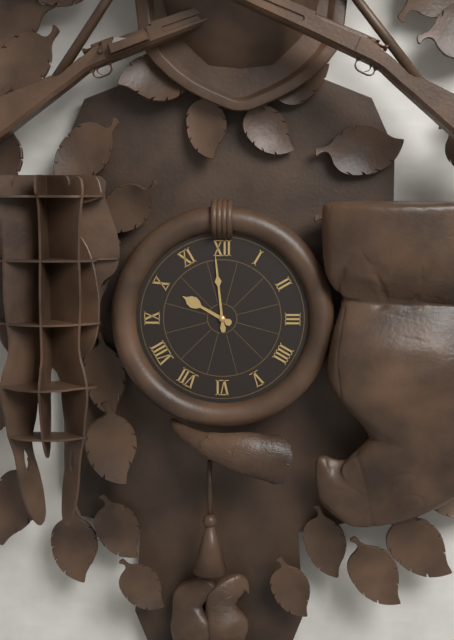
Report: 9:59
